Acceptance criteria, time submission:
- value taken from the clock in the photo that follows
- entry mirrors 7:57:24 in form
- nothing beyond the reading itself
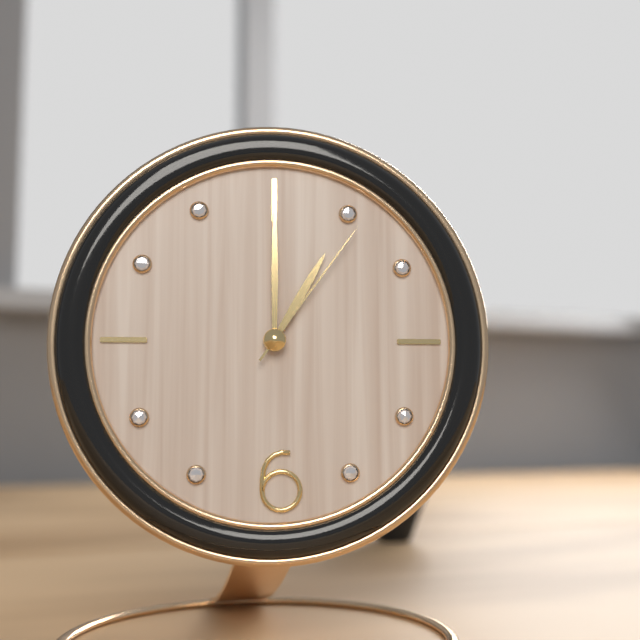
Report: 1:00:06
